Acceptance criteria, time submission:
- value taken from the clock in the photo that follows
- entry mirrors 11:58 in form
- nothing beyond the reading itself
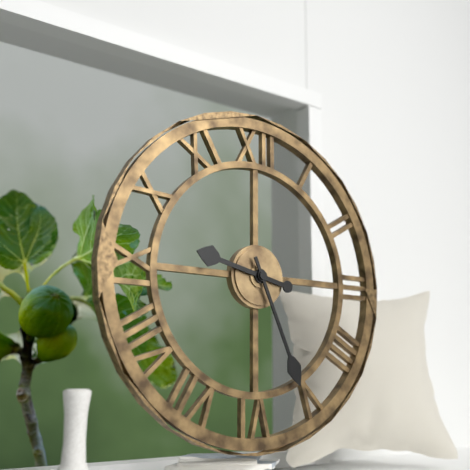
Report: 9:26
